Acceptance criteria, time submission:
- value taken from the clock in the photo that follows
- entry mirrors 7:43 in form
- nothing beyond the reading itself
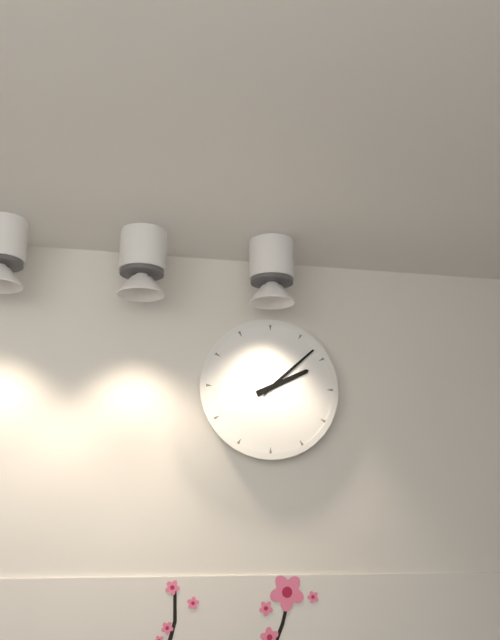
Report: 2:08
